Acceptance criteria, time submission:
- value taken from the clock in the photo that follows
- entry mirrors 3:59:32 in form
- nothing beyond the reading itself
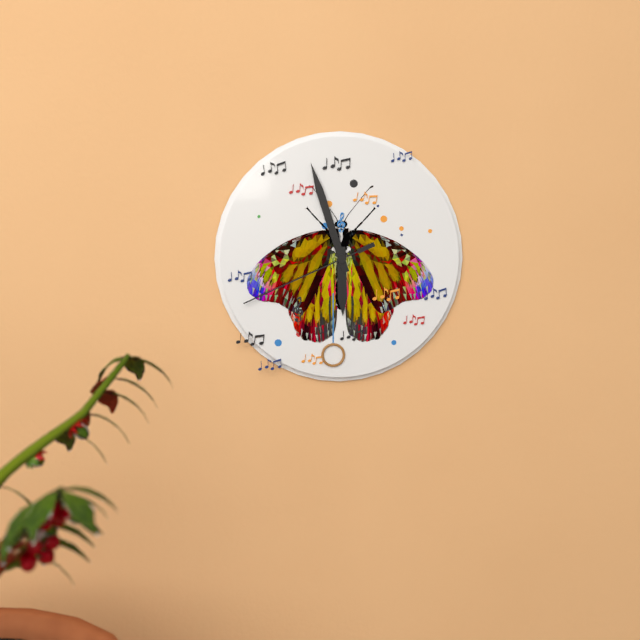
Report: 5:57:41
